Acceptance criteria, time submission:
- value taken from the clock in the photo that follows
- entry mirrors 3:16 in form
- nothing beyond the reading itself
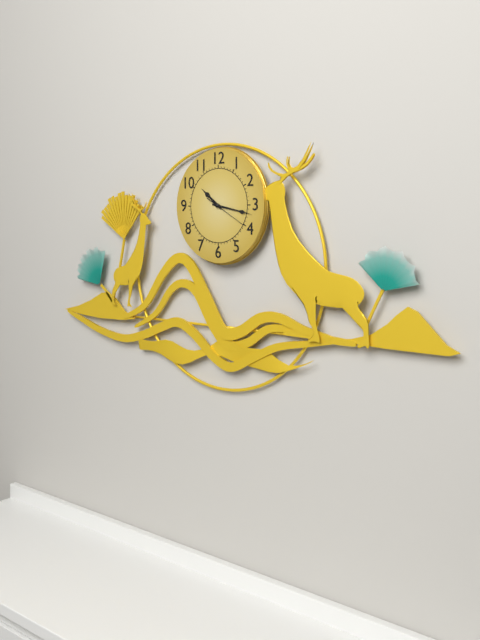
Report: 10:17
